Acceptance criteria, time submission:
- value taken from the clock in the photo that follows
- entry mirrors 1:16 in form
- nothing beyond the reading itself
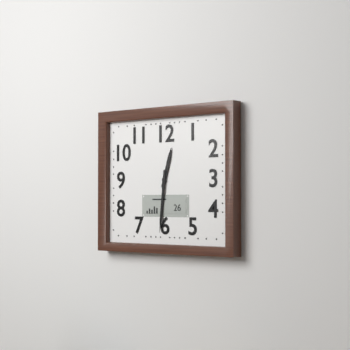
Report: 12:31
